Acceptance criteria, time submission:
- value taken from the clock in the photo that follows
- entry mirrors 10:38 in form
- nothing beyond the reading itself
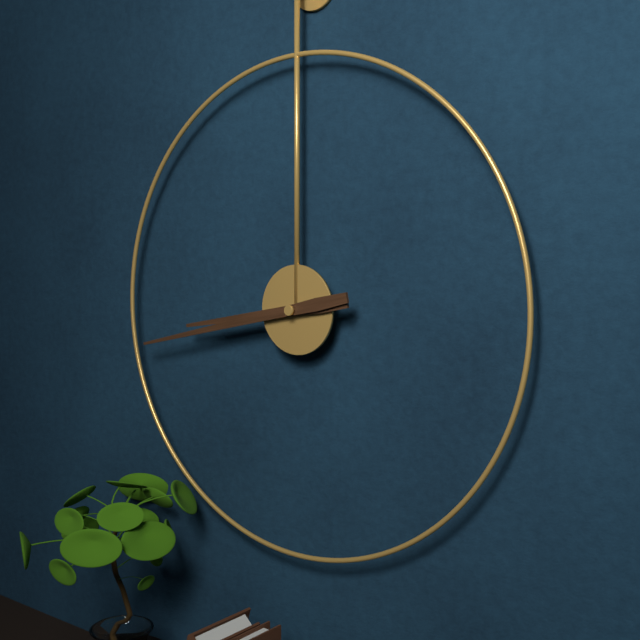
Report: 8:43
